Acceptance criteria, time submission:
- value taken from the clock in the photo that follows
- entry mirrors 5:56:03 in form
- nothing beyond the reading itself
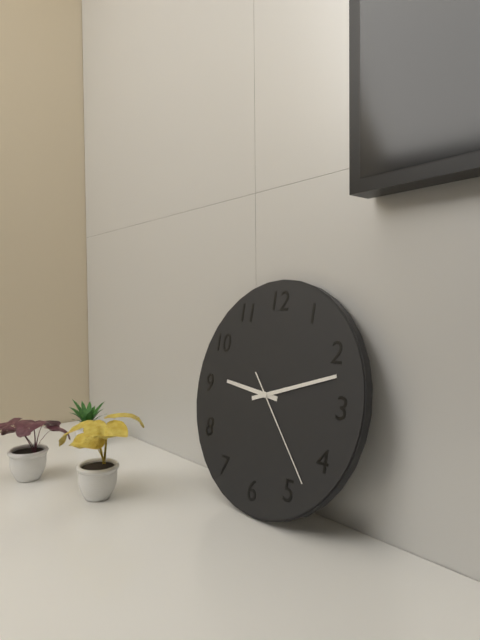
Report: 9:12:23
